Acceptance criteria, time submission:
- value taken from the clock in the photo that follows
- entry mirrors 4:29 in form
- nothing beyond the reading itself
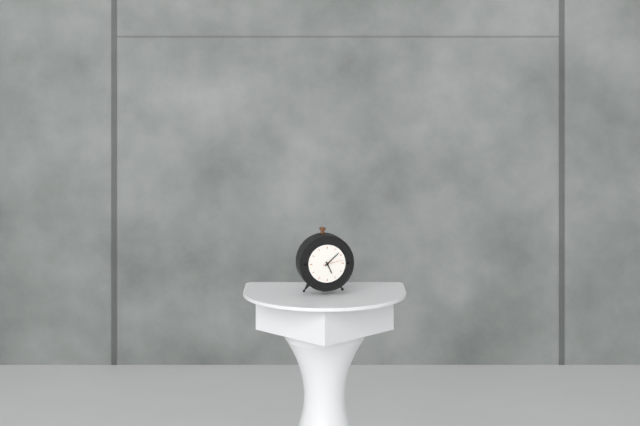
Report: 5:08
